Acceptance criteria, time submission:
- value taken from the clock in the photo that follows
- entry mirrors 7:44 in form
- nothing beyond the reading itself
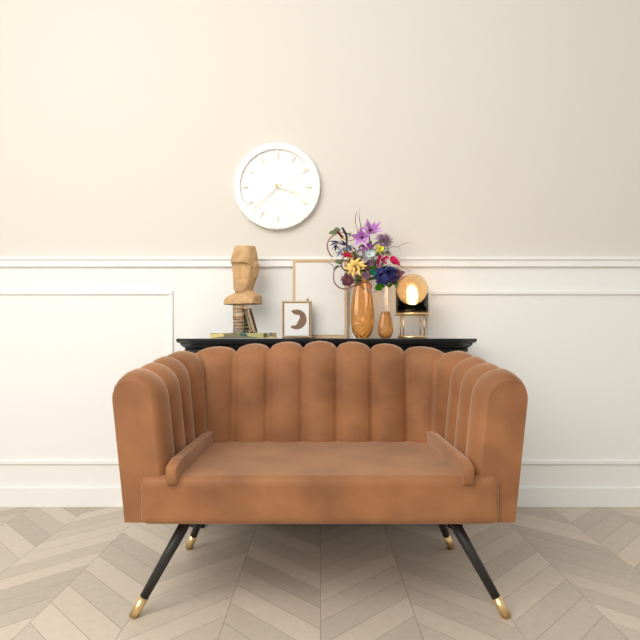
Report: 3:38
